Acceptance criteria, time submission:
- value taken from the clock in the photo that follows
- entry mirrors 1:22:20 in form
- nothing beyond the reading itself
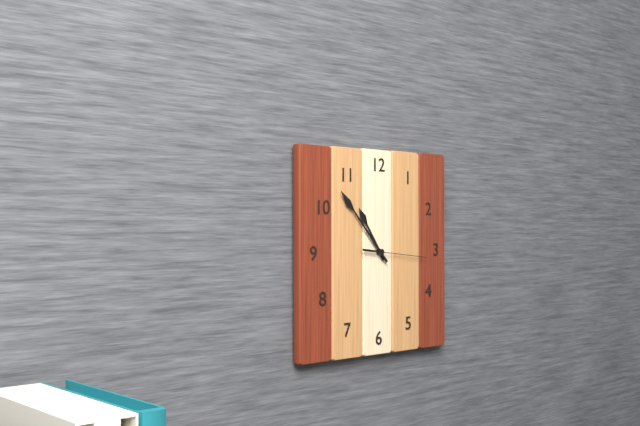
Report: 10:53:16
